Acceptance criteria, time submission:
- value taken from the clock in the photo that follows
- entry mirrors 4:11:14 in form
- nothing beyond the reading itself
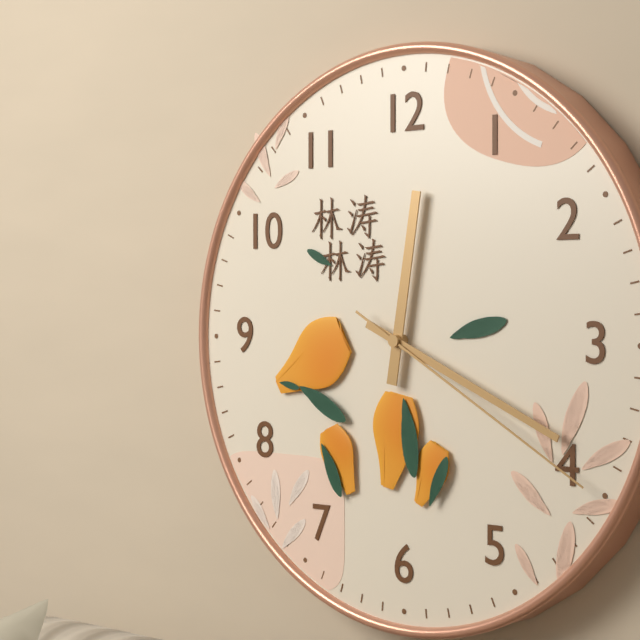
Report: 12:19:20
